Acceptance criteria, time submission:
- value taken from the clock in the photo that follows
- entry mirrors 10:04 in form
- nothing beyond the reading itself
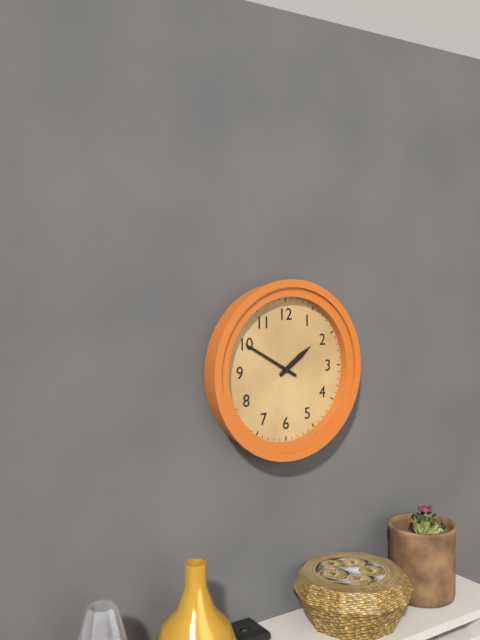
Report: 1:50
